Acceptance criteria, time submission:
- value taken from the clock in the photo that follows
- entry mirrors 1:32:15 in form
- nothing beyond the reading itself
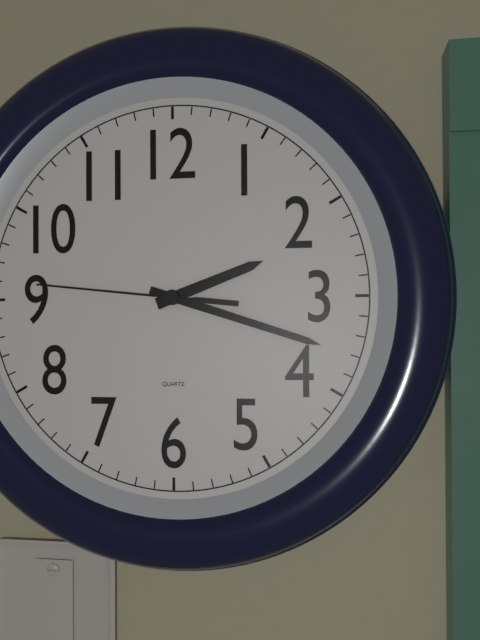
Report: 2:18:46
